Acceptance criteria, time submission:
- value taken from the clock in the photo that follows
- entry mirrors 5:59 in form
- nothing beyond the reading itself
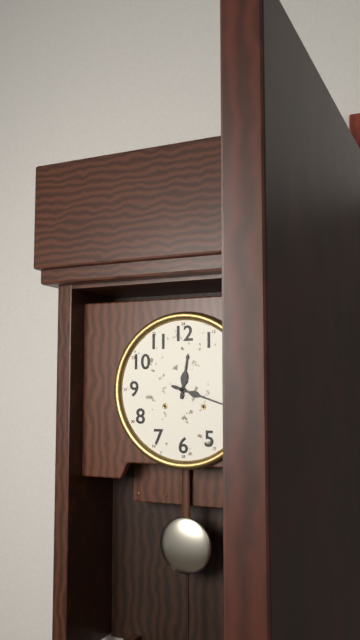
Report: 12:18
